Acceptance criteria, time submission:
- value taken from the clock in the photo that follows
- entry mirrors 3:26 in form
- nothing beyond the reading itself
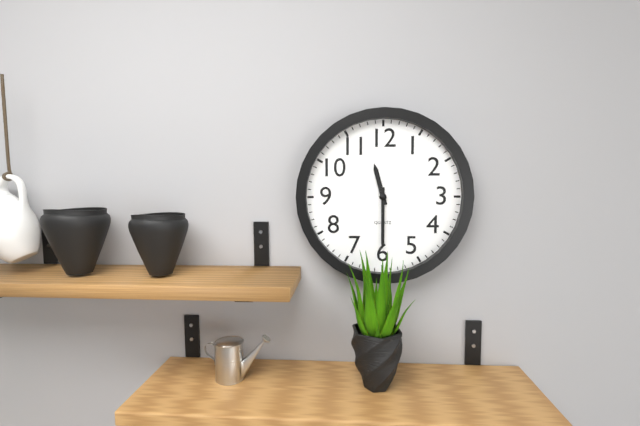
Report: 11:30
